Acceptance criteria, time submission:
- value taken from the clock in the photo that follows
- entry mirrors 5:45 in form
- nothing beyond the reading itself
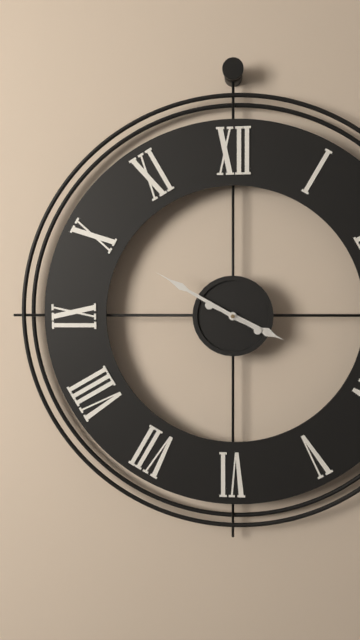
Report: 3:50
